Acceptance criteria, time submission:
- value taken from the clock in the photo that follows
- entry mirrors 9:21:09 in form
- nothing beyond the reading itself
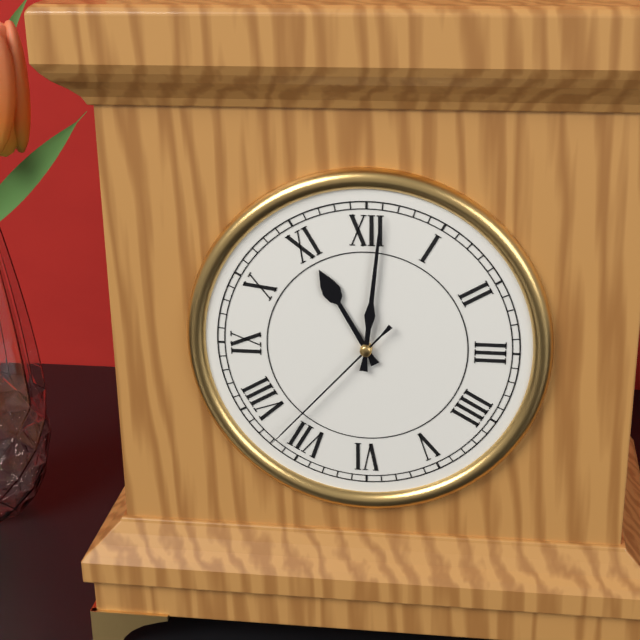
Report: 11:01:37
